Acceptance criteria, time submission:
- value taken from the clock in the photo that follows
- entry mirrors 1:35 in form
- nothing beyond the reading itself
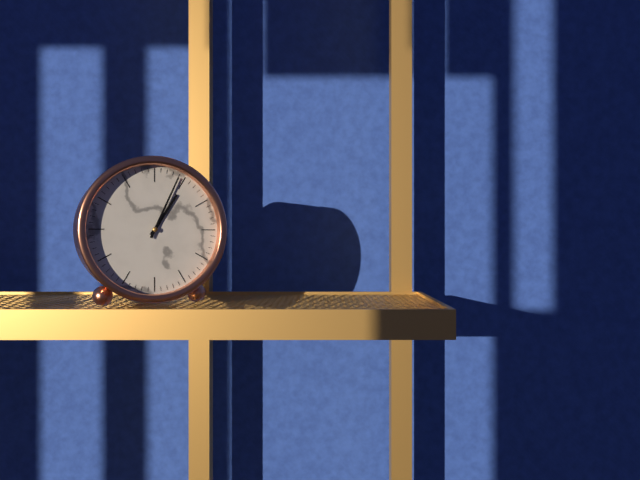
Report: 1:04
